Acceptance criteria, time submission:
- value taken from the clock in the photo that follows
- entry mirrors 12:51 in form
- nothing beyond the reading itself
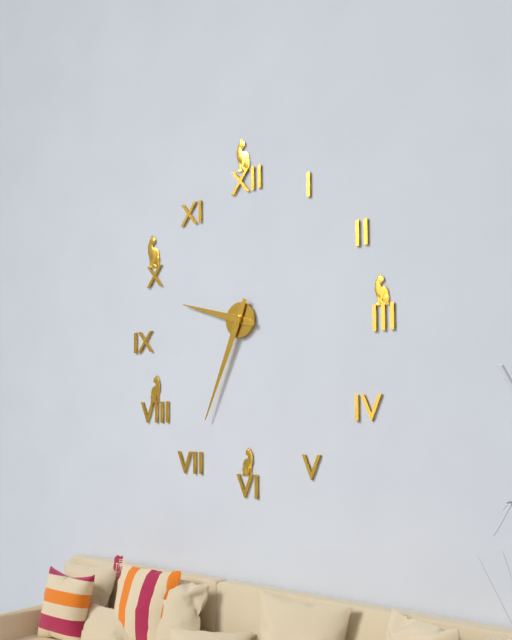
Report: 9:34
